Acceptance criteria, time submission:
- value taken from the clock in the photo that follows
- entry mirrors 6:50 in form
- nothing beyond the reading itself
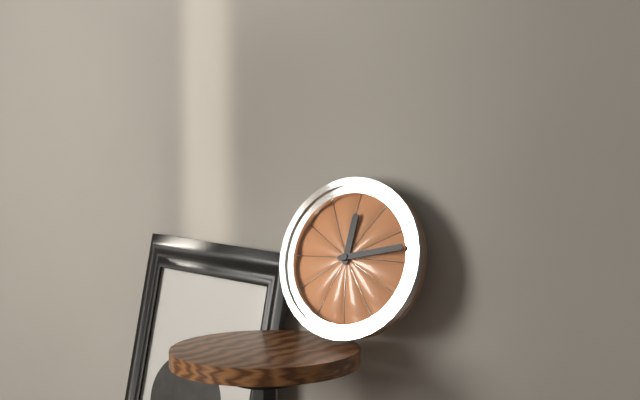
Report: 12:13
